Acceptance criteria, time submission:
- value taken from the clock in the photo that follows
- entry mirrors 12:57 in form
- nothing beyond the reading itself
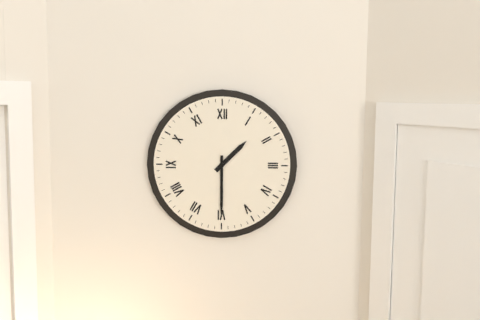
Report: 1:30
